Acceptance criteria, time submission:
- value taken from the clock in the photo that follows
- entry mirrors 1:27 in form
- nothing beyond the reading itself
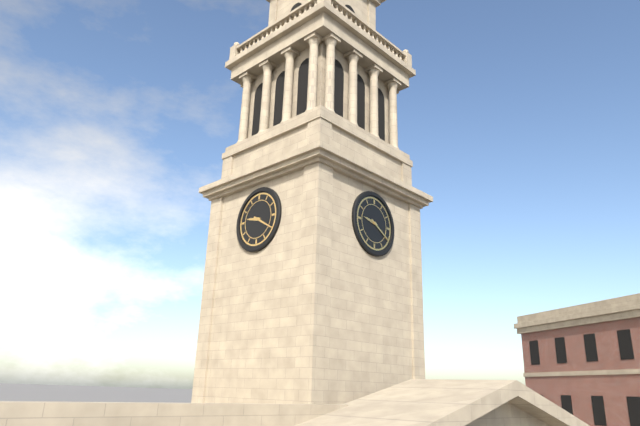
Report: 9:20
